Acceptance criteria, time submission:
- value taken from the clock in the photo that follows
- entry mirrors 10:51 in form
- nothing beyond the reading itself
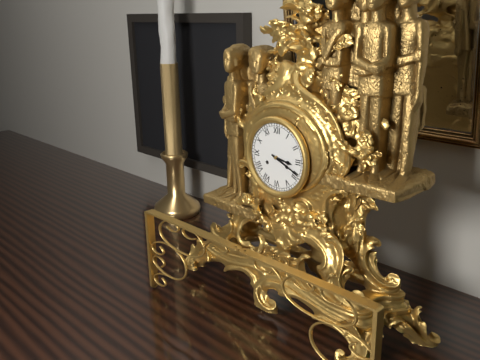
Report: 3:19
